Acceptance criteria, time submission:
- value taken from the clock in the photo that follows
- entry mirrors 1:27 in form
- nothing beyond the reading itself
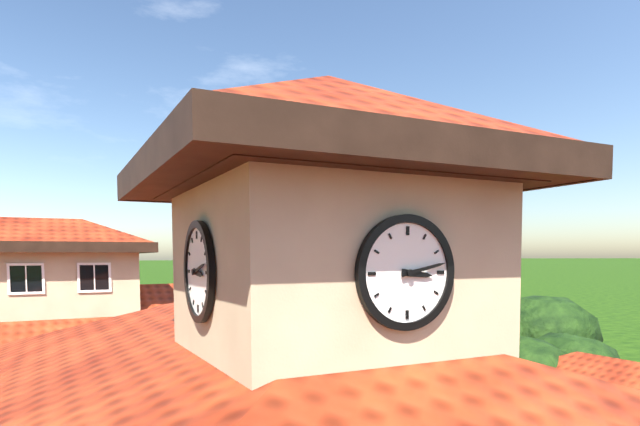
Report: 3:13
